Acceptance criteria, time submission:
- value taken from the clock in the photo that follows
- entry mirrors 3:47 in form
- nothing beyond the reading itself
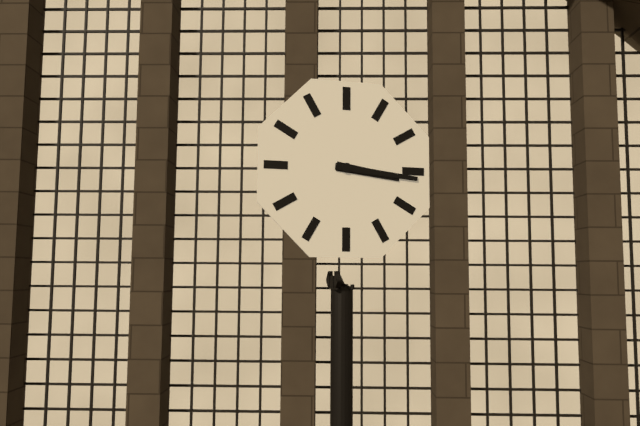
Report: 3:16
